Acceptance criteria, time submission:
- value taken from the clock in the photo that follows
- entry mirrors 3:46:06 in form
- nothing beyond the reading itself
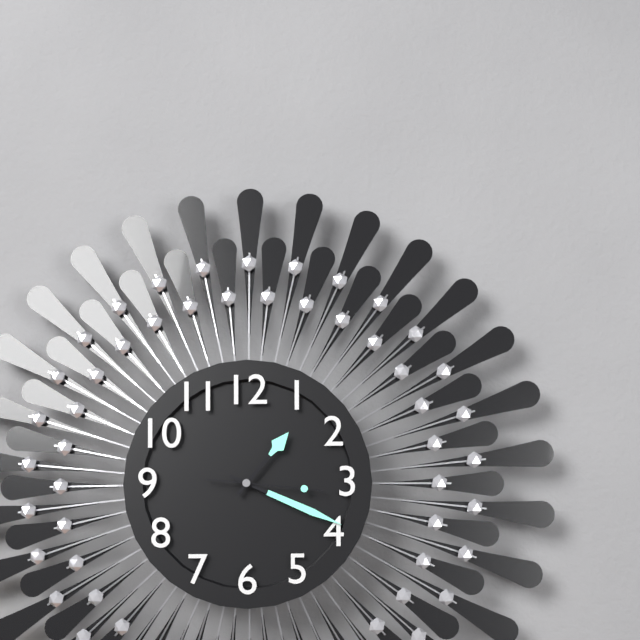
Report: 1:19:16
